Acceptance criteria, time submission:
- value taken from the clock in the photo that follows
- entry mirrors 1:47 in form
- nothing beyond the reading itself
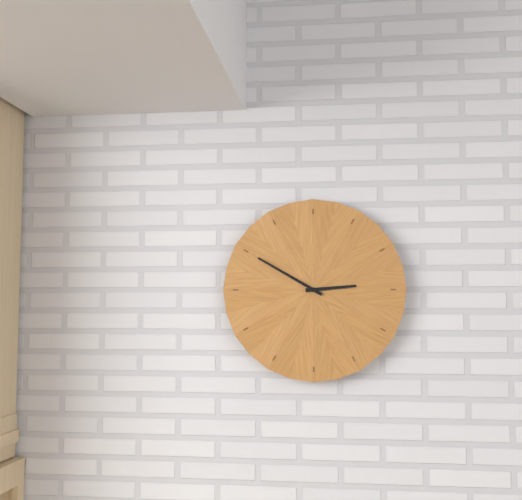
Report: 2:50
